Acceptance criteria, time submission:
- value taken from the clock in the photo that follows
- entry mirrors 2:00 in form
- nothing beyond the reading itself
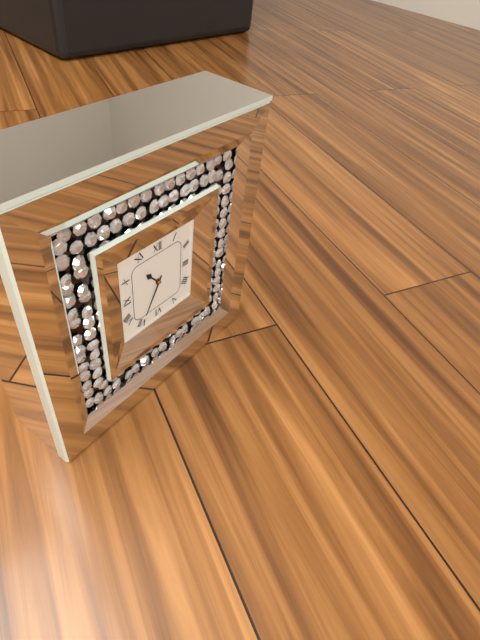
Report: 10:35
